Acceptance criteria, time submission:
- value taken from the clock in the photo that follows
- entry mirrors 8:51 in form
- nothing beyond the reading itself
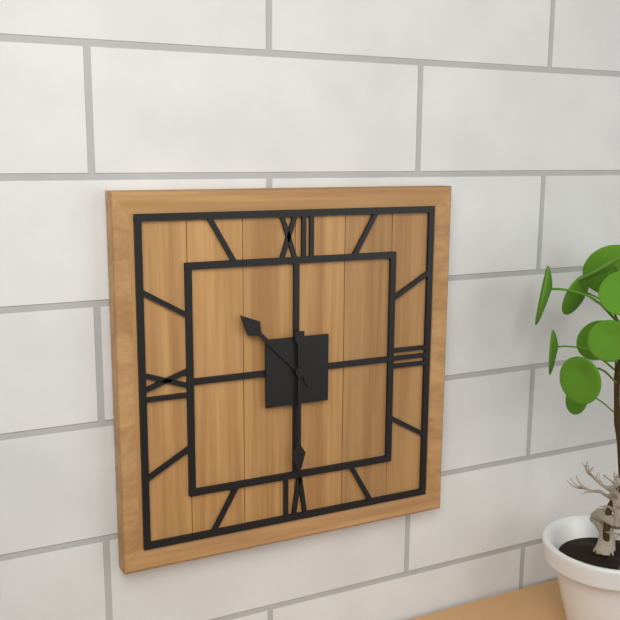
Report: 10:30
